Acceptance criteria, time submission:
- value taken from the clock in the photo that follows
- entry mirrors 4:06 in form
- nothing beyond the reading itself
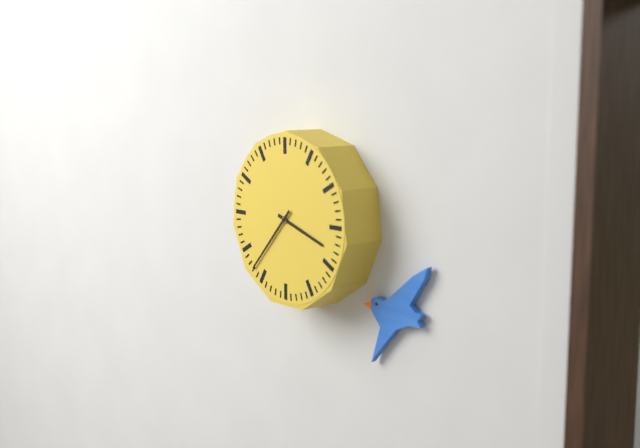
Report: 3:37
